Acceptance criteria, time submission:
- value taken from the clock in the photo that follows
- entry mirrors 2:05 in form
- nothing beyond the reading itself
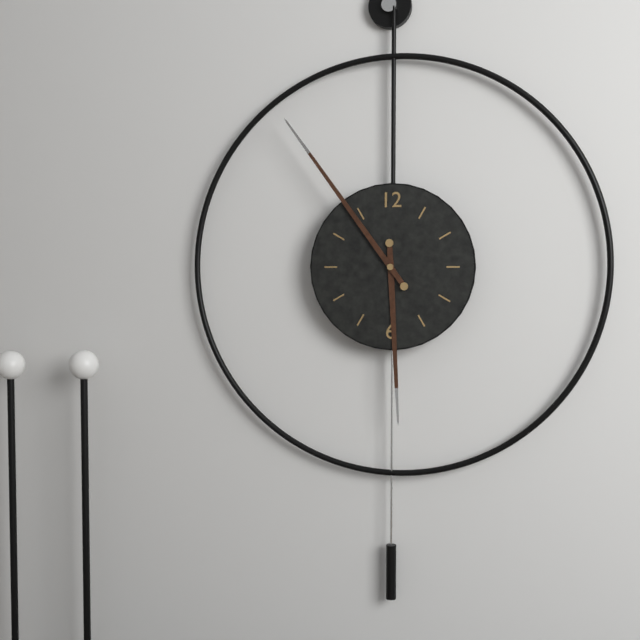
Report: 5:54
